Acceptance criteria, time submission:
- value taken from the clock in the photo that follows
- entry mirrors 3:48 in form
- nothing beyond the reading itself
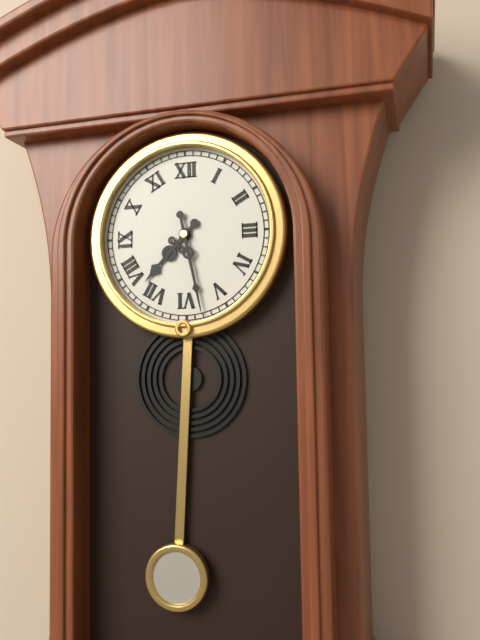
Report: 7:28
